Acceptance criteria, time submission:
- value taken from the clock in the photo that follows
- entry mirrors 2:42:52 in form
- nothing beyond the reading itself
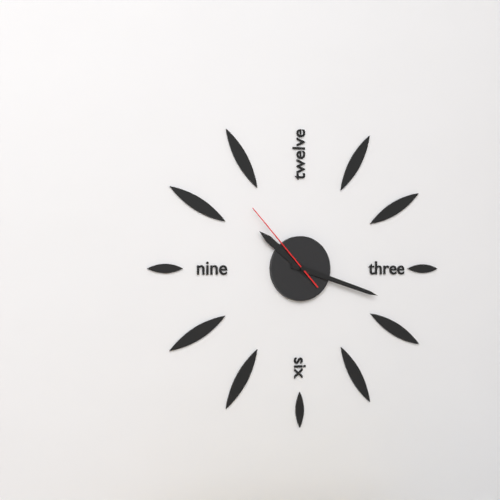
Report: 10:18:53
